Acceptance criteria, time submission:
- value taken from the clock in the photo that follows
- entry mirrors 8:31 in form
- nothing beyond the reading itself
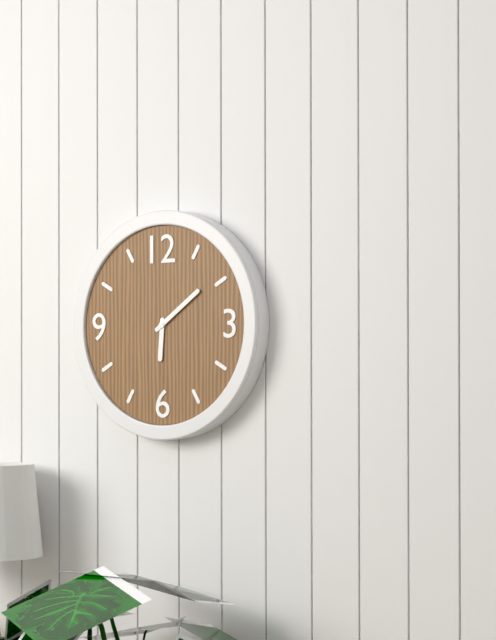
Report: 6:09
